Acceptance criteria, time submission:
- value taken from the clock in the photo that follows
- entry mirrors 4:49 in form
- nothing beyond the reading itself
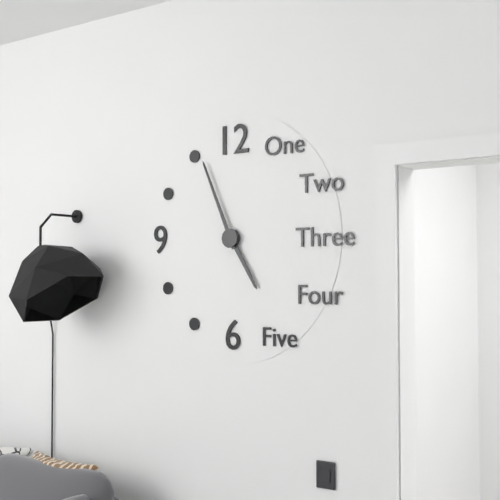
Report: 4:56
